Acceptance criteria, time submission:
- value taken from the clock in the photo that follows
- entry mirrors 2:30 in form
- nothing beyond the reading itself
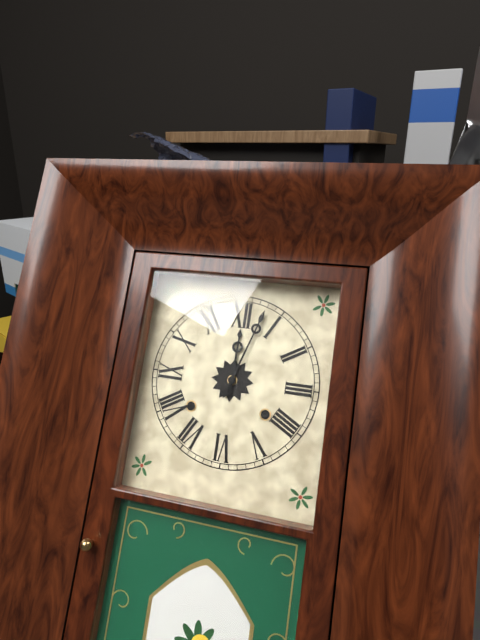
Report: 12:03
